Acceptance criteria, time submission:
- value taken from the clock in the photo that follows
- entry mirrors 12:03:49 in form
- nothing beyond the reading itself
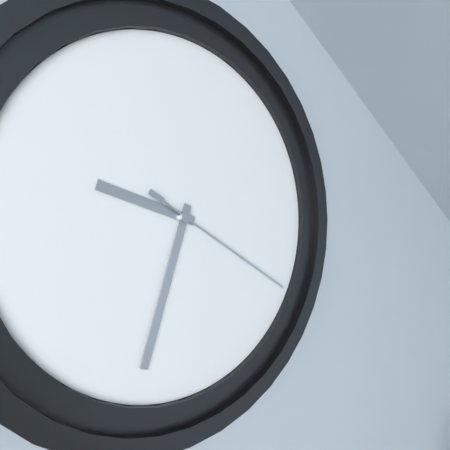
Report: 9:33:20
